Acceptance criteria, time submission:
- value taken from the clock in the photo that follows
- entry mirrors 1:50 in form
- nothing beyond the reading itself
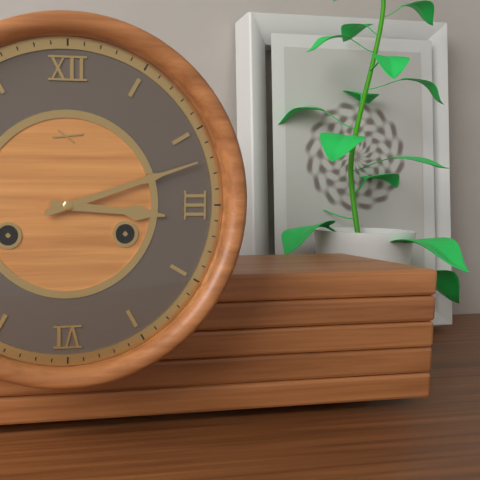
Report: 3:12
